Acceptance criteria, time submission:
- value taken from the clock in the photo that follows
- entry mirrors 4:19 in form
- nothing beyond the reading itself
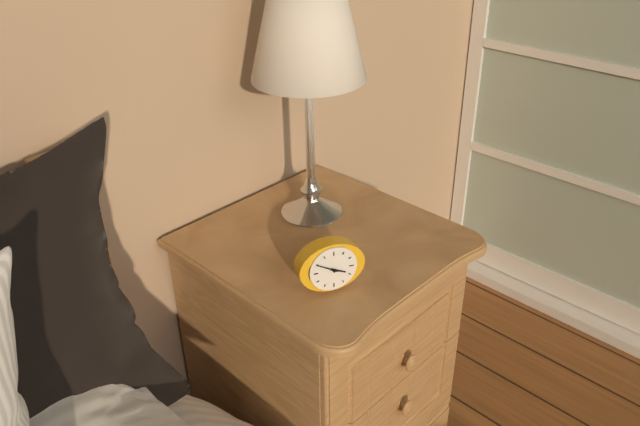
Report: 3:50
